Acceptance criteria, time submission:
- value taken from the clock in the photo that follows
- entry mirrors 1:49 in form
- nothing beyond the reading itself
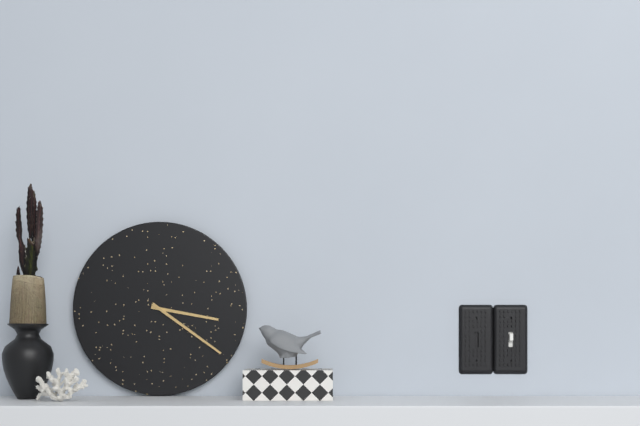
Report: 3:21
